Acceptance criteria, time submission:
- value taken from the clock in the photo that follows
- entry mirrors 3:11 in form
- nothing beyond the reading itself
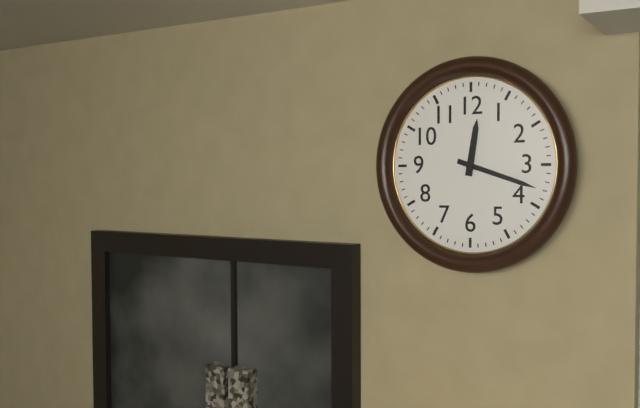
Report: 12:18
